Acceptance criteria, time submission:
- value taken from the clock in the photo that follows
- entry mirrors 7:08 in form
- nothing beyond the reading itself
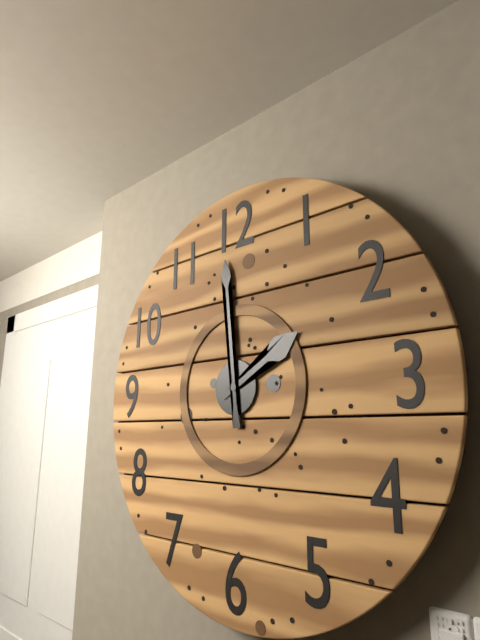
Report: 1:59
